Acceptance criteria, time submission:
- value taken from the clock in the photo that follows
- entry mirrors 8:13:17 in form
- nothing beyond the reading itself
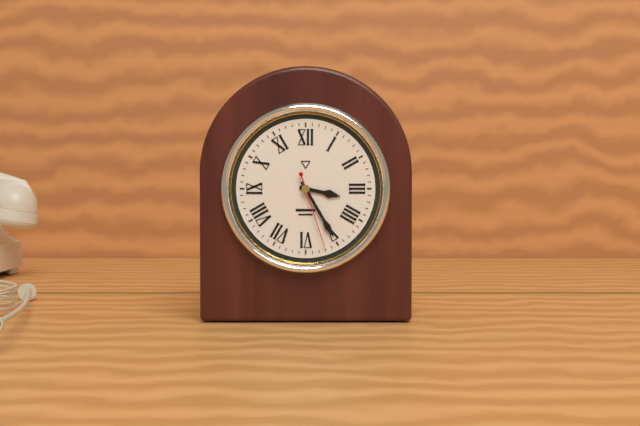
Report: 3:25:27
